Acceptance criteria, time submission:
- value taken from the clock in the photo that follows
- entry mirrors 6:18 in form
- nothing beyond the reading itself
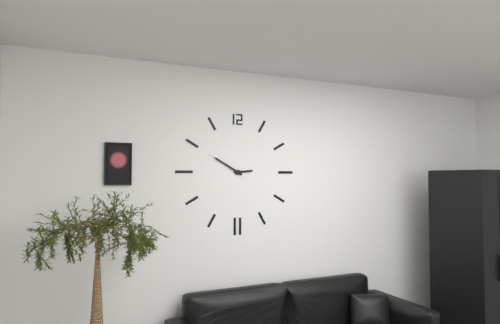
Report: 2:50
